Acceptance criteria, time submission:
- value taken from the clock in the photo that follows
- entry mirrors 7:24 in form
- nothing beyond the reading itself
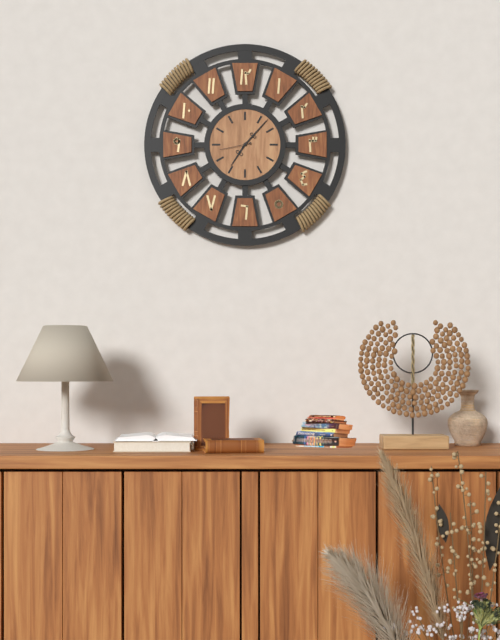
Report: 7:07
